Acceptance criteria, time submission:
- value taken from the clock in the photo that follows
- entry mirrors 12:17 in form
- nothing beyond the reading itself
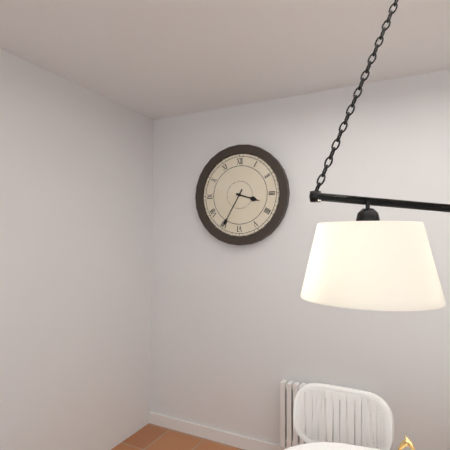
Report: 3:35
